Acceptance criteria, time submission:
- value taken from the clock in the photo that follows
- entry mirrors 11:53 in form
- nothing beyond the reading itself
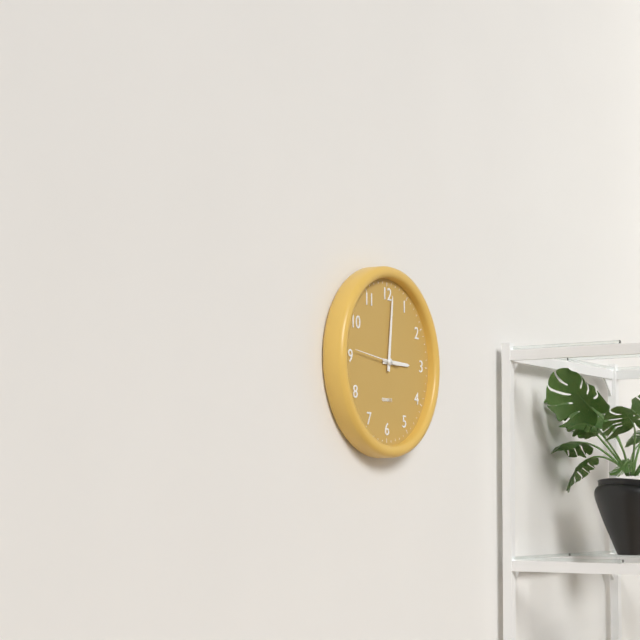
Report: 3:01
